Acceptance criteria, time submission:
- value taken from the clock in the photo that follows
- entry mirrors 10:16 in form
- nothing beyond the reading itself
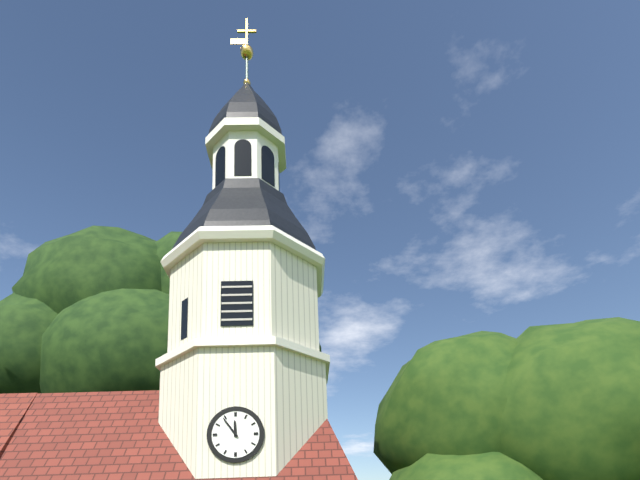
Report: 11:54
